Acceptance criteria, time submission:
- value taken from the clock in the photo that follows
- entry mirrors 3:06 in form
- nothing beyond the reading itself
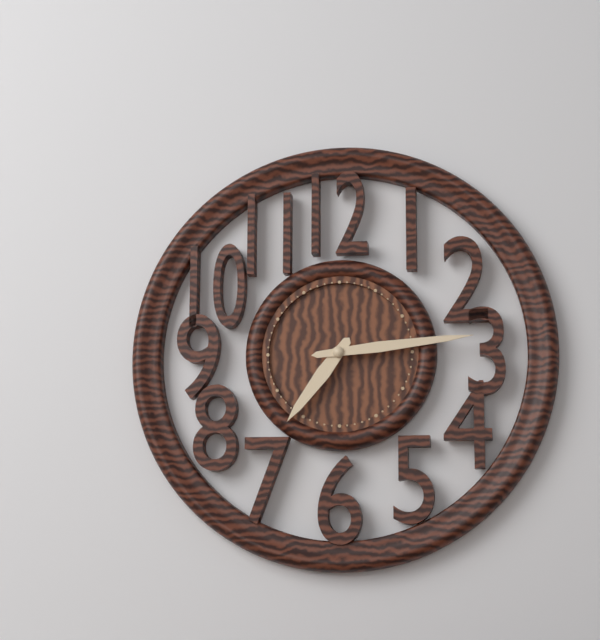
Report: 7:14
